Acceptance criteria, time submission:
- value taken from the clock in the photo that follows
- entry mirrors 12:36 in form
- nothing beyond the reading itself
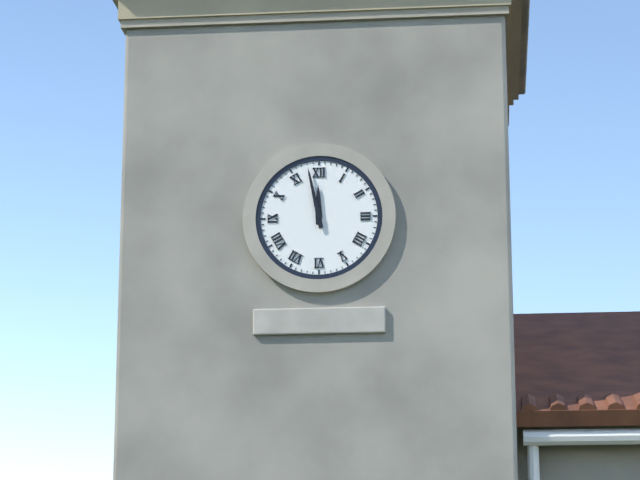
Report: 11:58
